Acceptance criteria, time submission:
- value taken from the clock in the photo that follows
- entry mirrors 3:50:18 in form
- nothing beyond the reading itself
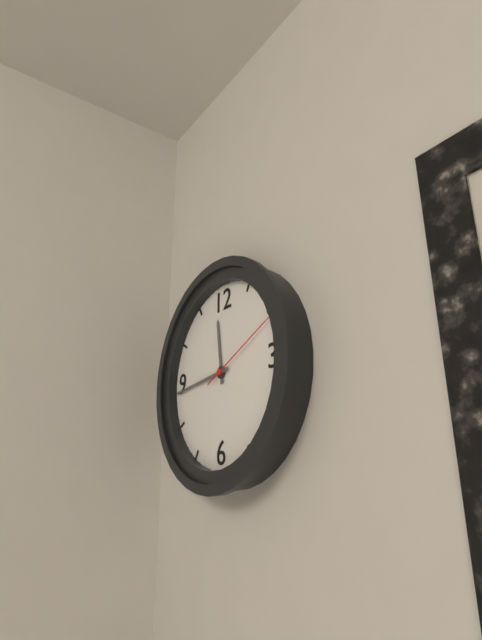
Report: 11:44:11
